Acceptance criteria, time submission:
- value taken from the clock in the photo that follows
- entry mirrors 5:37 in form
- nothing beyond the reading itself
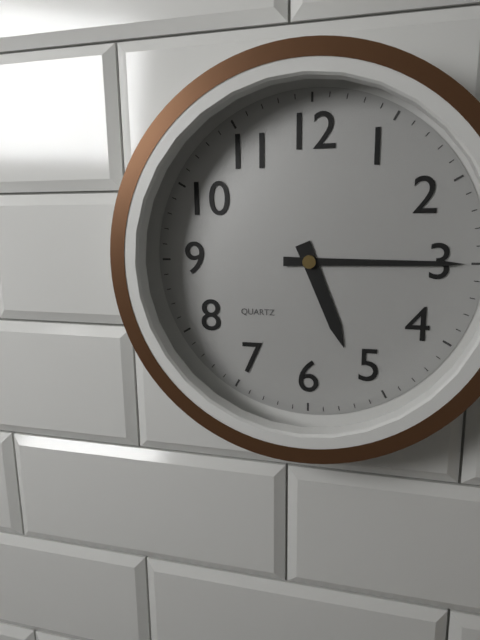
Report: 5:15
